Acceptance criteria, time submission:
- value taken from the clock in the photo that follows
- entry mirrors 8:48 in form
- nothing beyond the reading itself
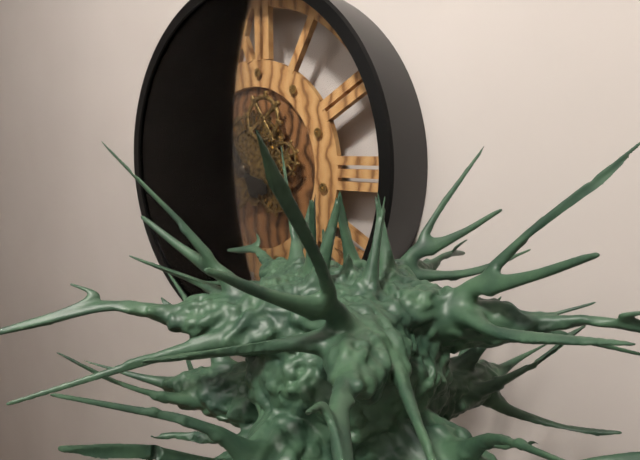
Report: 10:50
